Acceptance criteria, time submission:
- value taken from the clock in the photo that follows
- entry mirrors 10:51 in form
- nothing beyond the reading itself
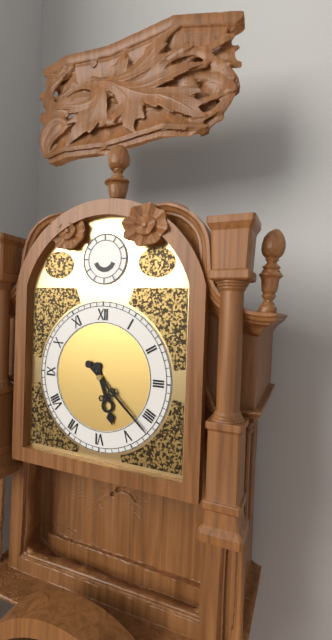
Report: 5:22
